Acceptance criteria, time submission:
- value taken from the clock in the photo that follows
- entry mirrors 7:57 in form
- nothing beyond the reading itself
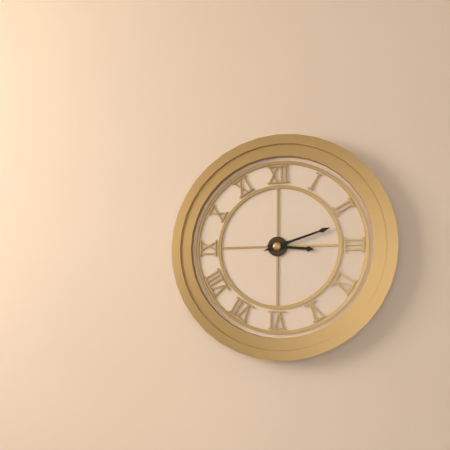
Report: 3:12
